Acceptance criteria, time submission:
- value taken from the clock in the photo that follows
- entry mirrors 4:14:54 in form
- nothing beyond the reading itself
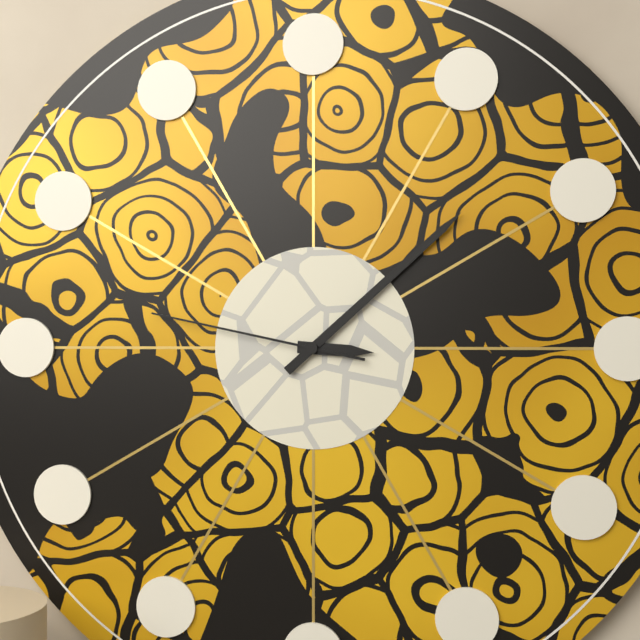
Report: 3:08:47
